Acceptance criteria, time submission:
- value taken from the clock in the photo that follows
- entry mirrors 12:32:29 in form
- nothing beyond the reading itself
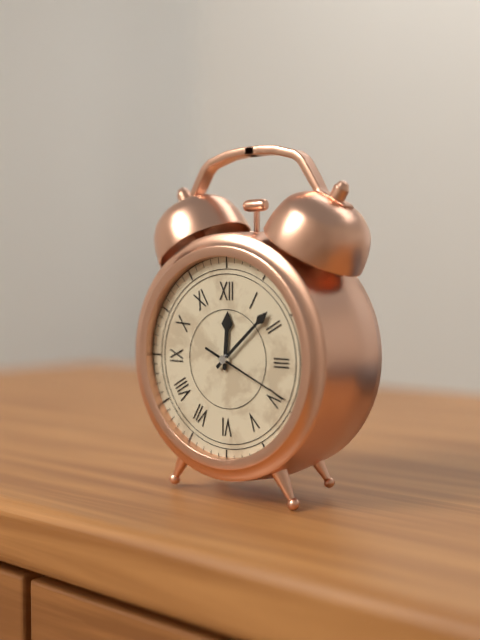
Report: 12:08:19
